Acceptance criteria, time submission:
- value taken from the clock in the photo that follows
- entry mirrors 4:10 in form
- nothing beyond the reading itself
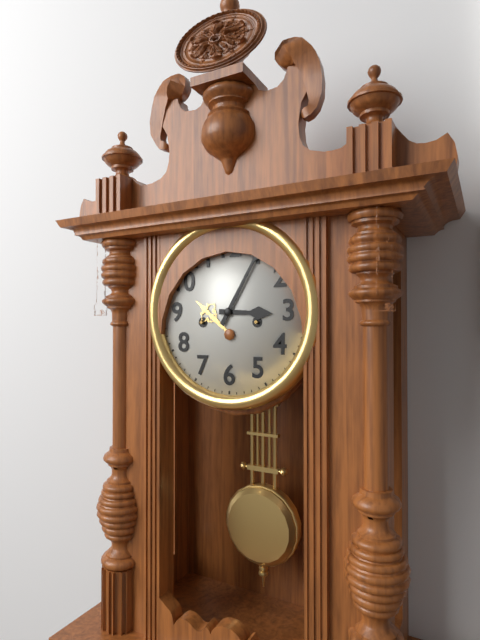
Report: 3:05
